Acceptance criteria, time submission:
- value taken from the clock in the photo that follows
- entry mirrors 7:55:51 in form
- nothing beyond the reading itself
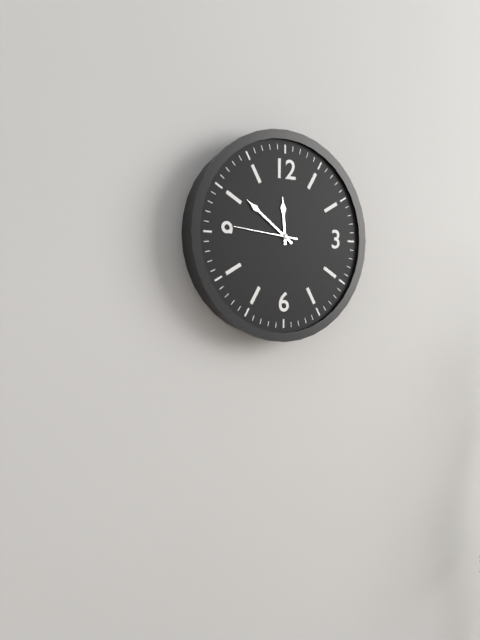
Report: 11:51:46
